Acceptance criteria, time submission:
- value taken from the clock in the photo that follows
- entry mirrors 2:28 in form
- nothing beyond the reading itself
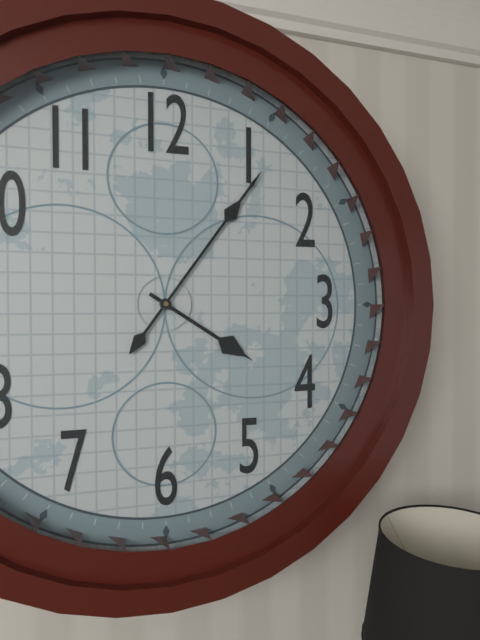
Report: 4:06
